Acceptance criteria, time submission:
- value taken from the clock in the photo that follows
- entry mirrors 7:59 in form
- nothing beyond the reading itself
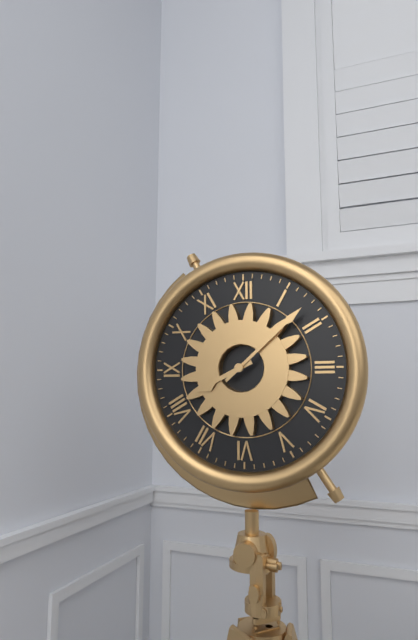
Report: 8:08
